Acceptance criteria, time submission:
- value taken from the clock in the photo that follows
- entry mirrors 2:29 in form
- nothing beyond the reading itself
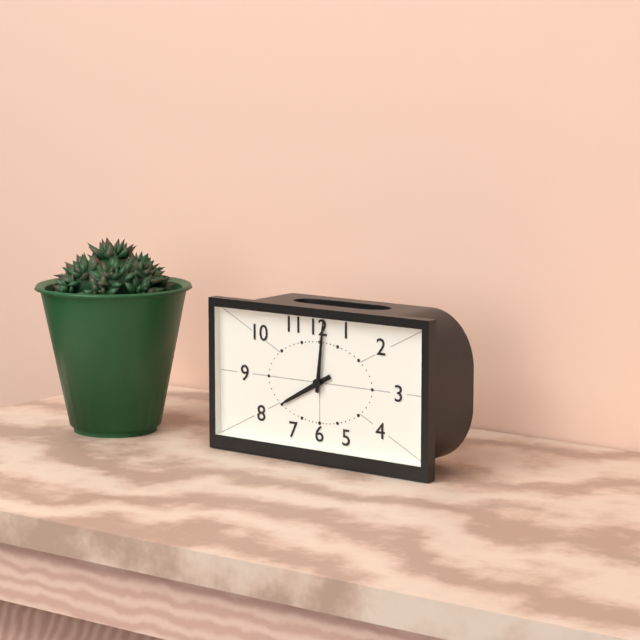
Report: 8:01
